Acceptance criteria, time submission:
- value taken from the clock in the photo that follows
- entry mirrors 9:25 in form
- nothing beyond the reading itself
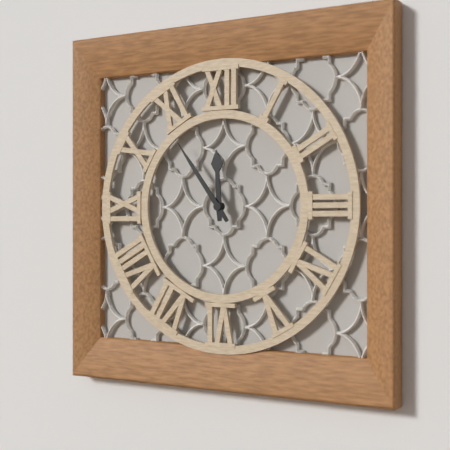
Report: 11:54
